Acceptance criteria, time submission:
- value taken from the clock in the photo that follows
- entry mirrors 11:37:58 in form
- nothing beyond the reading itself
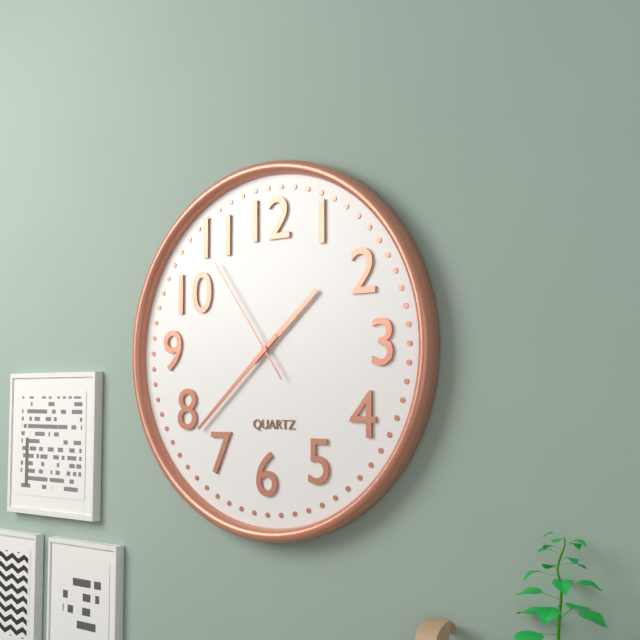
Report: 1:38:54
